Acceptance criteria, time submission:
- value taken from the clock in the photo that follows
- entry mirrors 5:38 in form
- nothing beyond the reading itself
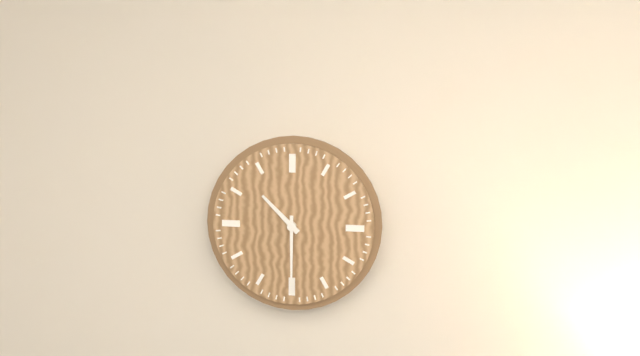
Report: 10:30
